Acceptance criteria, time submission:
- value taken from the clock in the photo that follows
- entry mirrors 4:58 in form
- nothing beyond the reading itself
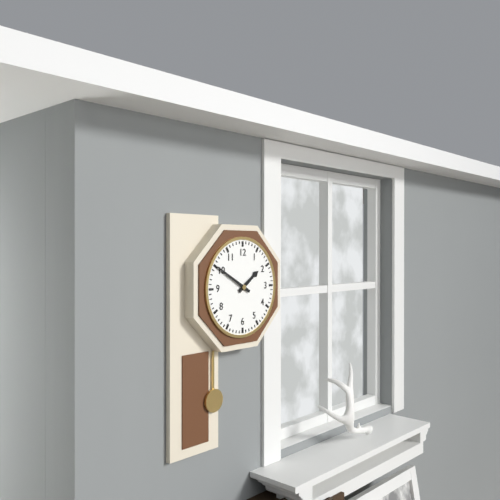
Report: 1:50
